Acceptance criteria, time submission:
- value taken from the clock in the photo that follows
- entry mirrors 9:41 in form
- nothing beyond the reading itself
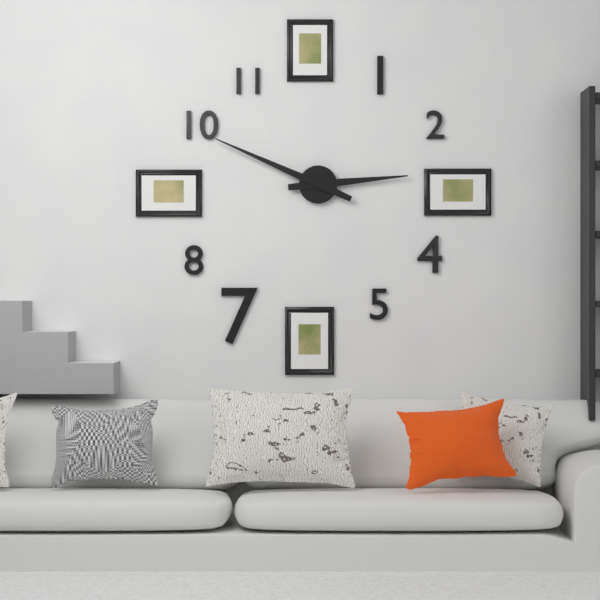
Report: 2:49
